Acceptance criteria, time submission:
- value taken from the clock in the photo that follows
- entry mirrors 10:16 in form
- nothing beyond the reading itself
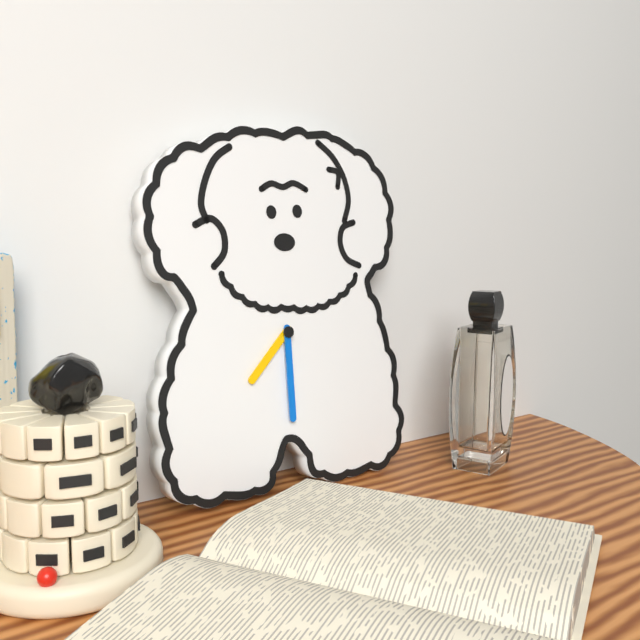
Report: 7:30
